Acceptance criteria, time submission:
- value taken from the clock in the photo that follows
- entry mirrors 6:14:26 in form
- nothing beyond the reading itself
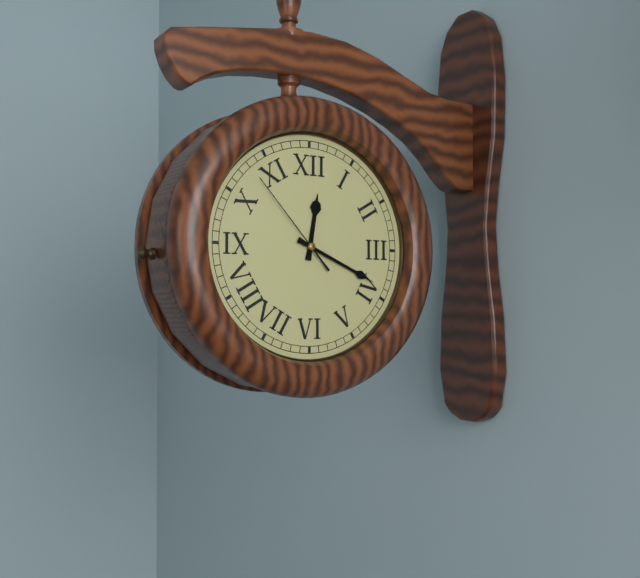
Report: 12:19:53
